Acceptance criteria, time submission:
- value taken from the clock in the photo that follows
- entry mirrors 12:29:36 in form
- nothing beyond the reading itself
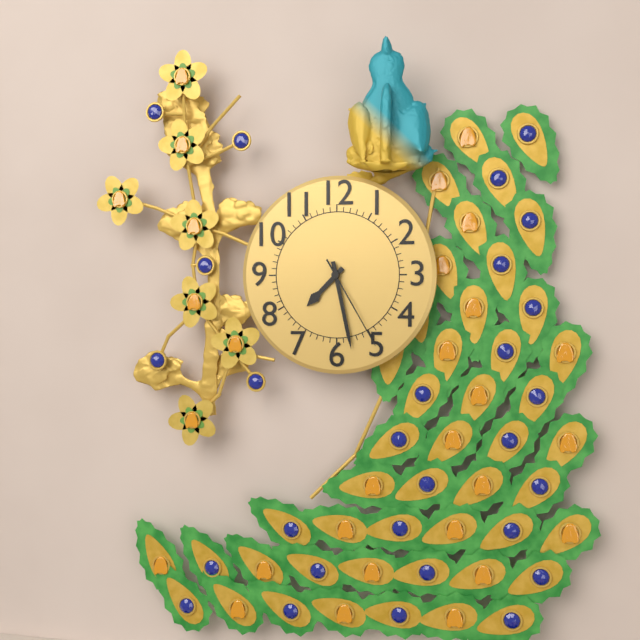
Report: 7:28:25
